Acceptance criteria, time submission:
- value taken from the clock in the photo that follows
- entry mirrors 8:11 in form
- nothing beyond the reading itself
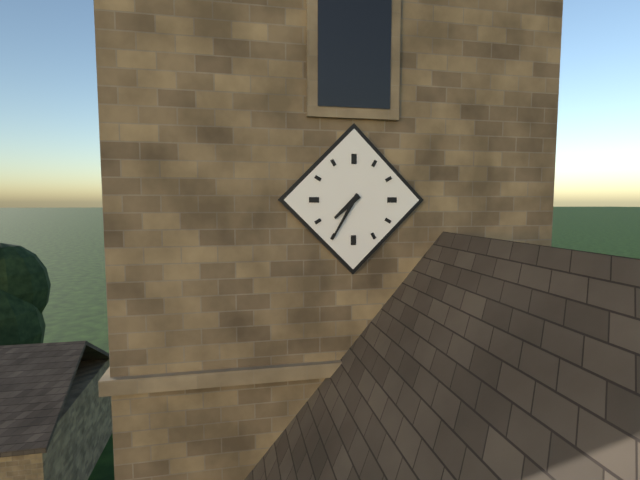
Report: 7:35
